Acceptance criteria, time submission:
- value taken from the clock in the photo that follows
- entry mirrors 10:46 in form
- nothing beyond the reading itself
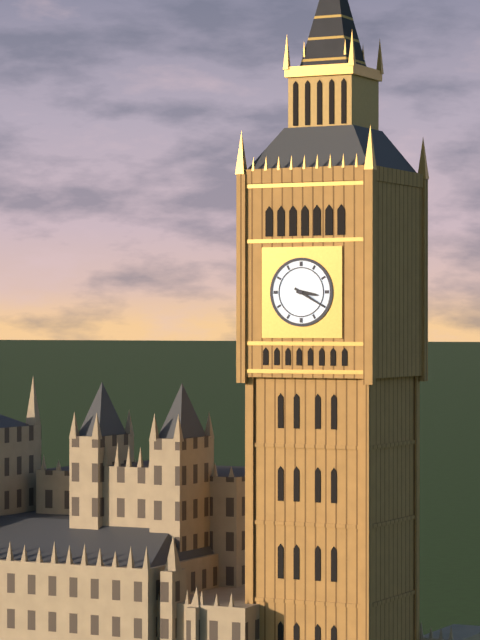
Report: 3:20
